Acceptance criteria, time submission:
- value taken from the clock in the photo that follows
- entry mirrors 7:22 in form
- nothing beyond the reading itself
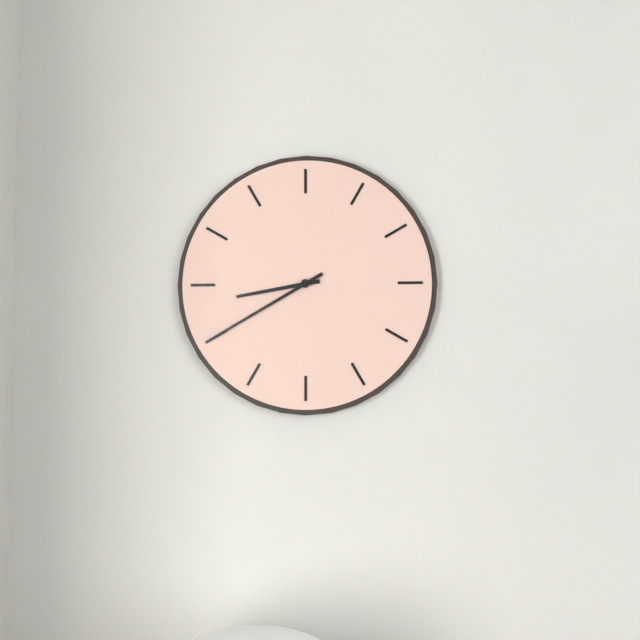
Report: 8:40
